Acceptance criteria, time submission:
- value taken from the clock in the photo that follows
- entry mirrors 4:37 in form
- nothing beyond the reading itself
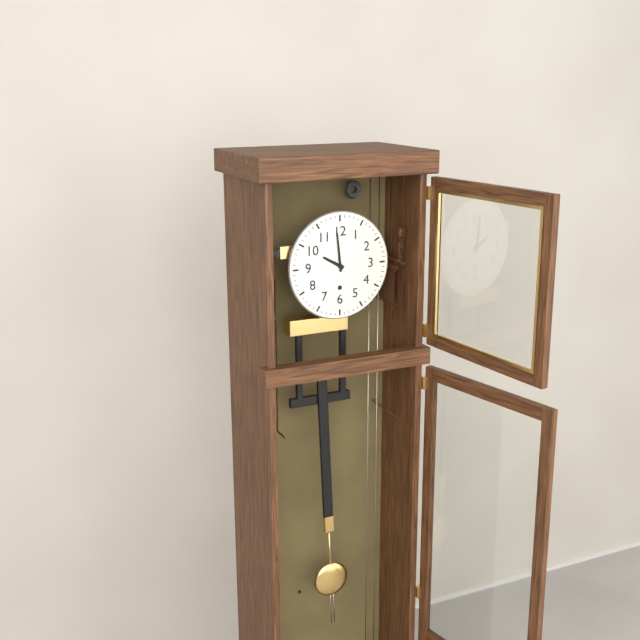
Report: 9:59
